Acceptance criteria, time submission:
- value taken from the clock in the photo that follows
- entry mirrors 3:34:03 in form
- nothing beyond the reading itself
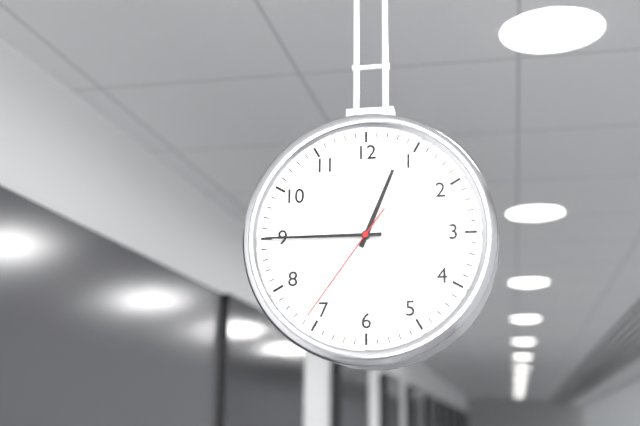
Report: 12:45:36
